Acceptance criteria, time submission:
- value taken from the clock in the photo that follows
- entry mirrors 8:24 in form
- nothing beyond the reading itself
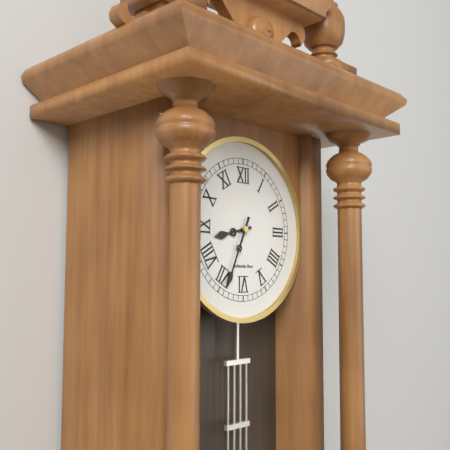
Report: 8:34
